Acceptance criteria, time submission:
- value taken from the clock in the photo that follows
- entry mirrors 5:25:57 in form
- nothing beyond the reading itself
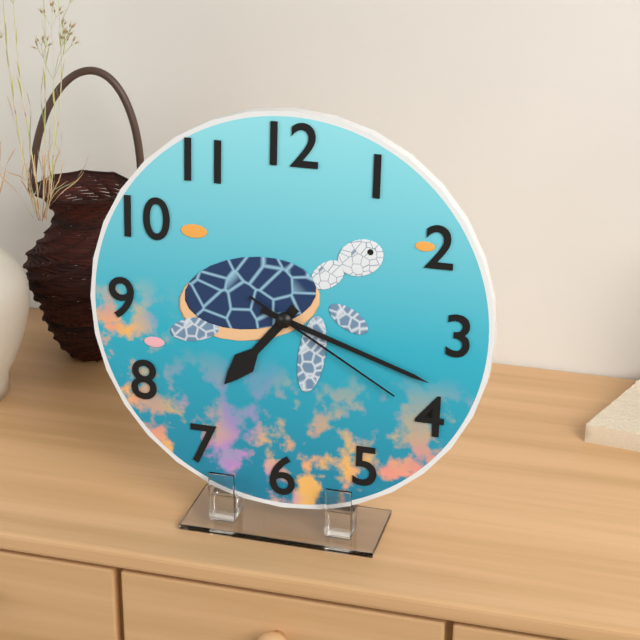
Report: 7:18:20
